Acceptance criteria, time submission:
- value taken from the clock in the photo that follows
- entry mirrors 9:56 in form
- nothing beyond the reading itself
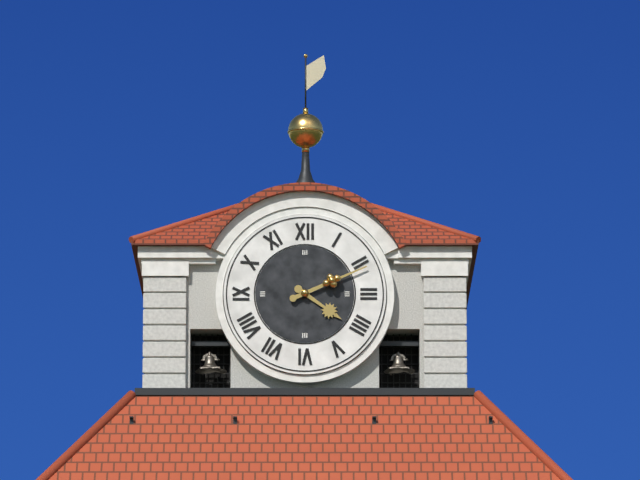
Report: 4:11
